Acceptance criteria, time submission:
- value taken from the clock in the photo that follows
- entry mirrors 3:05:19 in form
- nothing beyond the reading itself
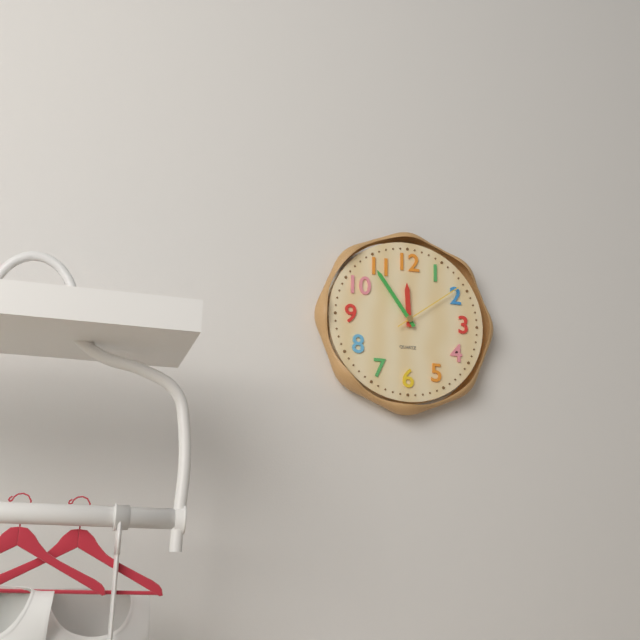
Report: 11:54:09
